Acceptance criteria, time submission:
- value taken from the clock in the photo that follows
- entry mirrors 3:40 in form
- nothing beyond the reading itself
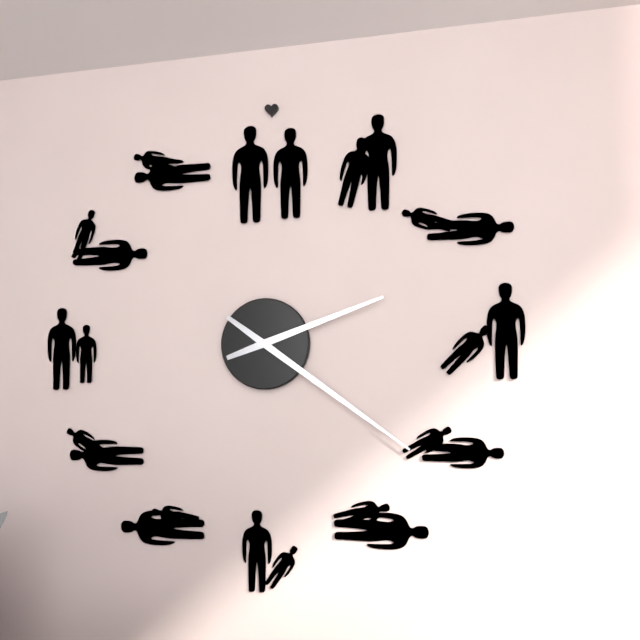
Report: 2:21
